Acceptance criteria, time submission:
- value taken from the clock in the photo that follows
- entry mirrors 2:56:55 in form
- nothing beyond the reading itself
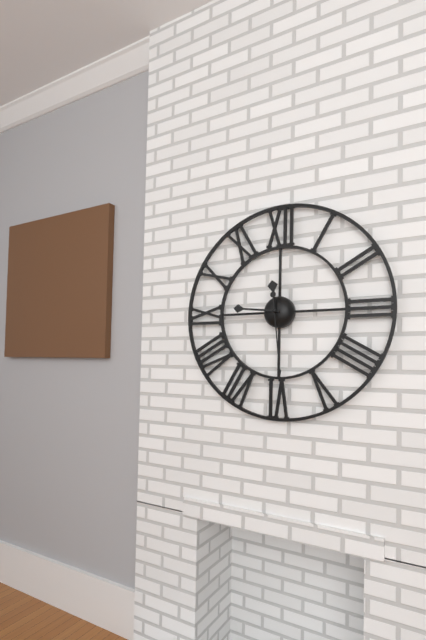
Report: 11:46:29
